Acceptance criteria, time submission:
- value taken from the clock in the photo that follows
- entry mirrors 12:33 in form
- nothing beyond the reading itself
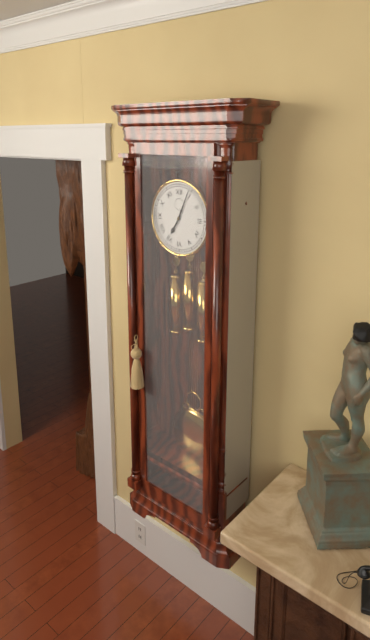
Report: 7:04
